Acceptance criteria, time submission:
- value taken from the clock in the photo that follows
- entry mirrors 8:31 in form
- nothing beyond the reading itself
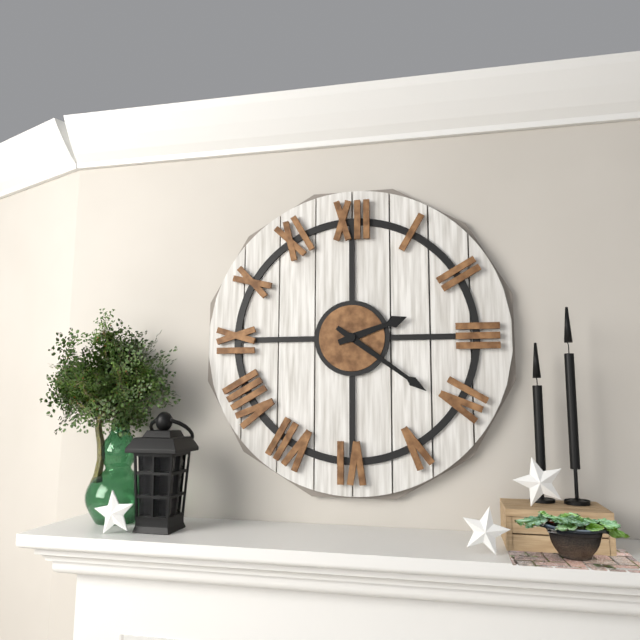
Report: 2:21
